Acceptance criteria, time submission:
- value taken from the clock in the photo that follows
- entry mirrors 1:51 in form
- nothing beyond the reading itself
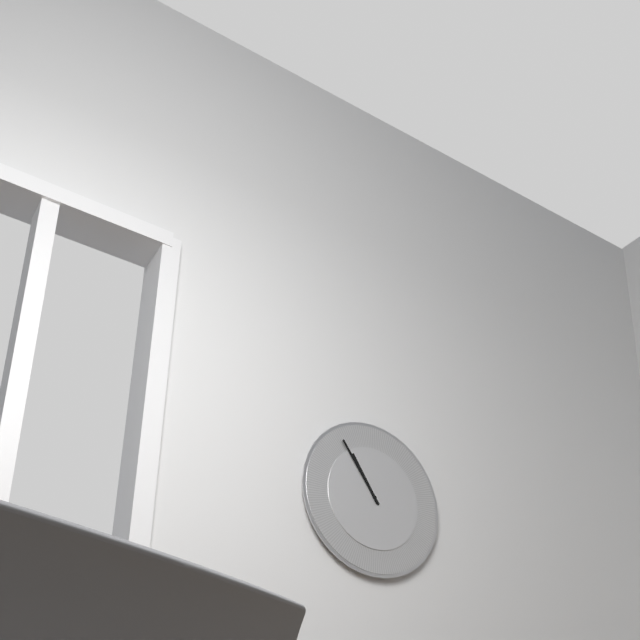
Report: 10:54
